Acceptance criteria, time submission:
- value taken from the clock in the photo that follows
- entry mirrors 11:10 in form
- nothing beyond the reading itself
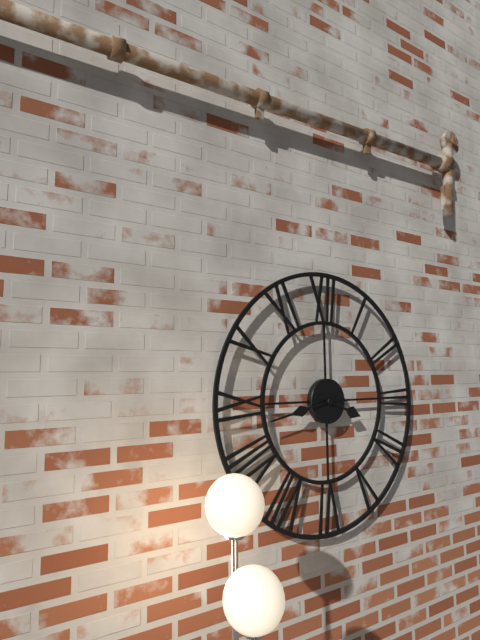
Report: 3:43
